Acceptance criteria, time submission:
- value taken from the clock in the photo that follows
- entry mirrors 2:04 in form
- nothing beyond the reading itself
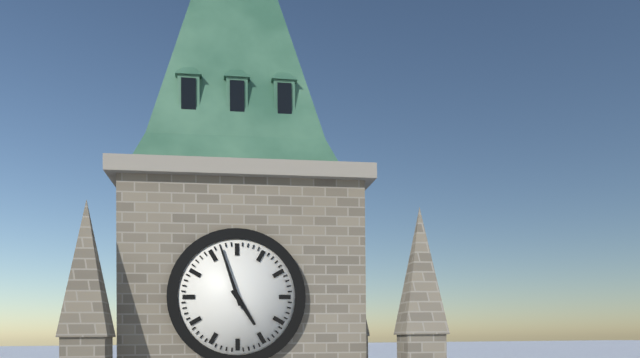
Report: 4:57
